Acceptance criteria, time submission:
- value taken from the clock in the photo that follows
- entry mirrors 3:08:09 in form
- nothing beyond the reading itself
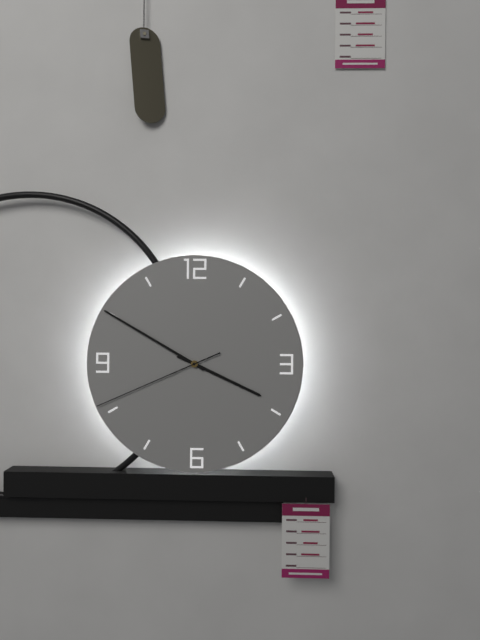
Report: 3:50:41
